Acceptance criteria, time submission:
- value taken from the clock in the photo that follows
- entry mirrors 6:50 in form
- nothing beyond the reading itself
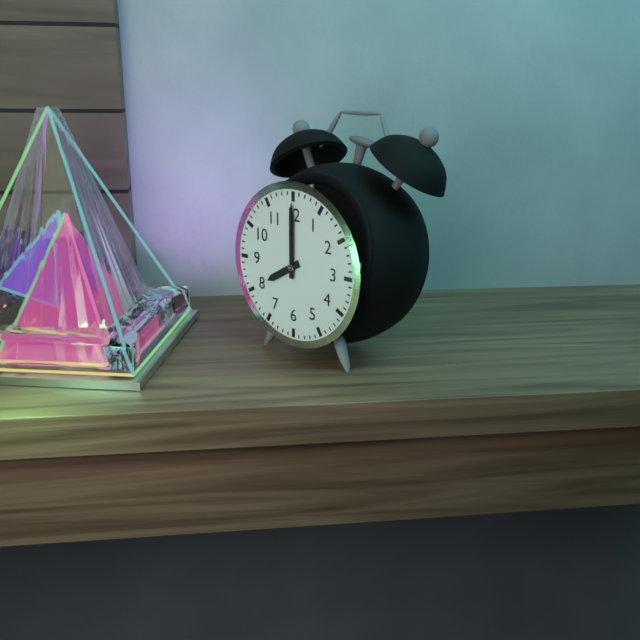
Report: 8:00
